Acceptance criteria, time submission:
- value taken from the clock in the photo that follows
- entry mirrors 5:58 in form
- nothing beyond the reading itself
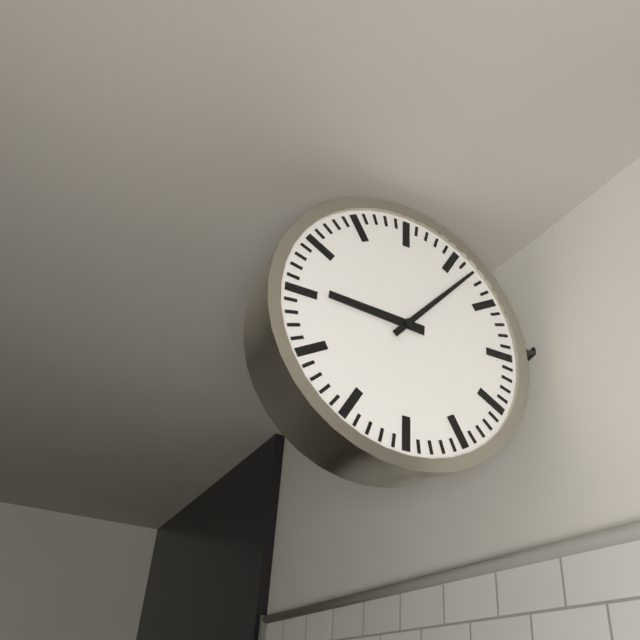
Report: 9:07
